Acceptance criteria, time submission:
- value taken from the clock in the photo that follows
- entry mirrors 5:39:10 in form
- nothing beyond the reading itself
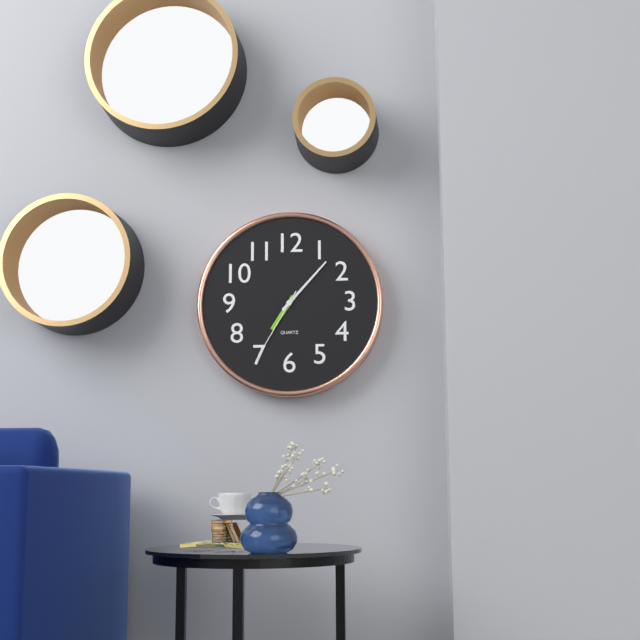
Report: 7:07:35
